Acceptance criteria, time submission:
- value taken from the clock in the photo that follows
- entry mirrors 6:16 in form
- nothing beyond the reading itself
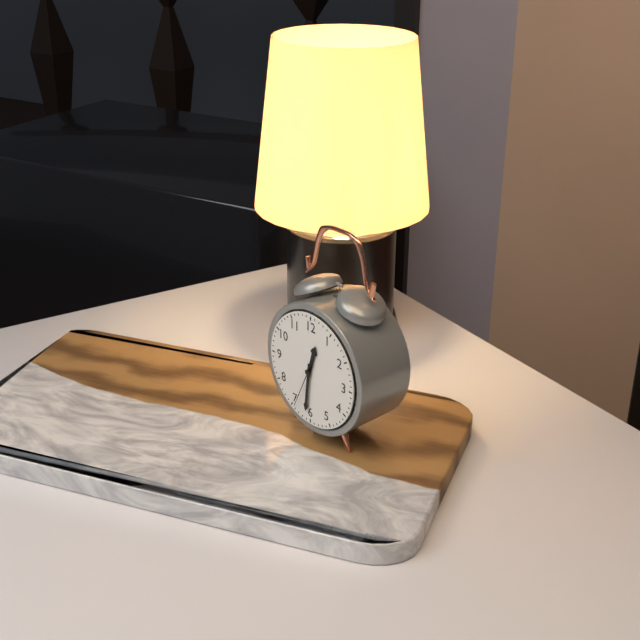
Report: 12:31
